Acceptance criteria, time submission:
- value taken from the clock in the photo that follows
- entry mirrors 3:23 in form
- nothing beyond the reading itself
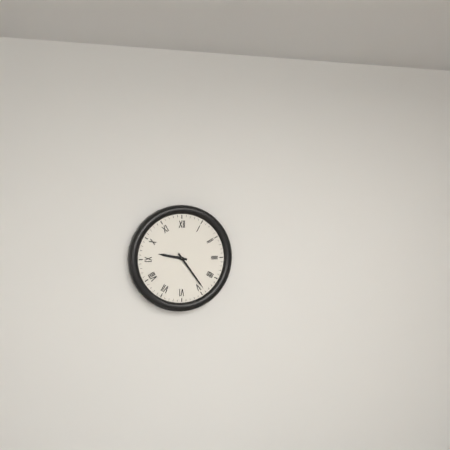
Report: 9:24
